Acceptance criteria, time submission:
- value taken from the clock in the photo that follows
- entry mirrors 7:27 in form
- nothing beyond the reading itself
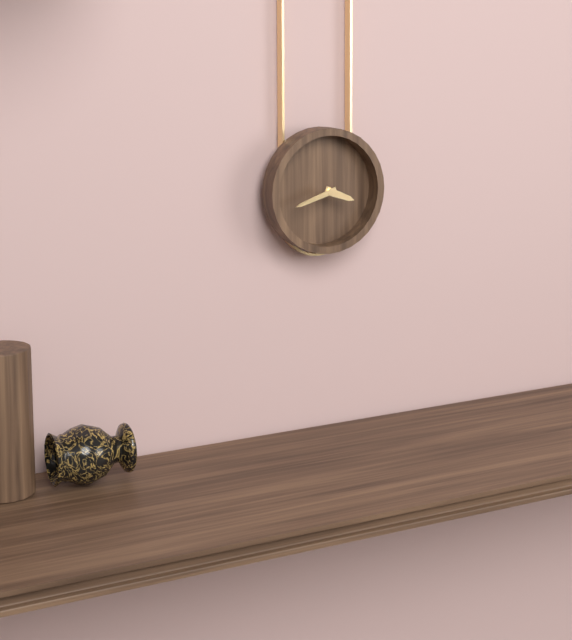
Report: 3:42
